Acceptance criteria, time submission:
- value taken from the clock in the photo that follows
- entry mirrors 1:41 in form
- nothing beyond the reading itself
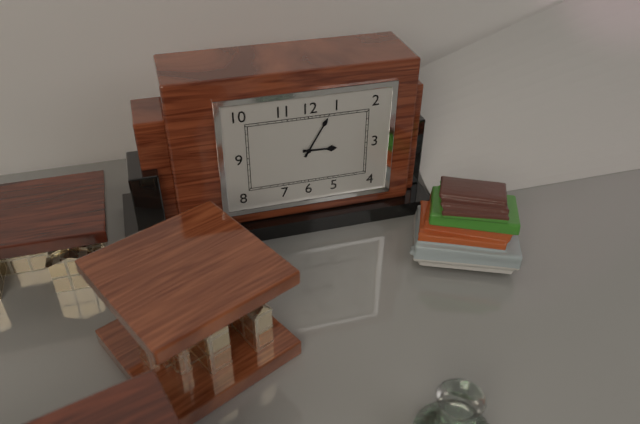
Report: 3:05
